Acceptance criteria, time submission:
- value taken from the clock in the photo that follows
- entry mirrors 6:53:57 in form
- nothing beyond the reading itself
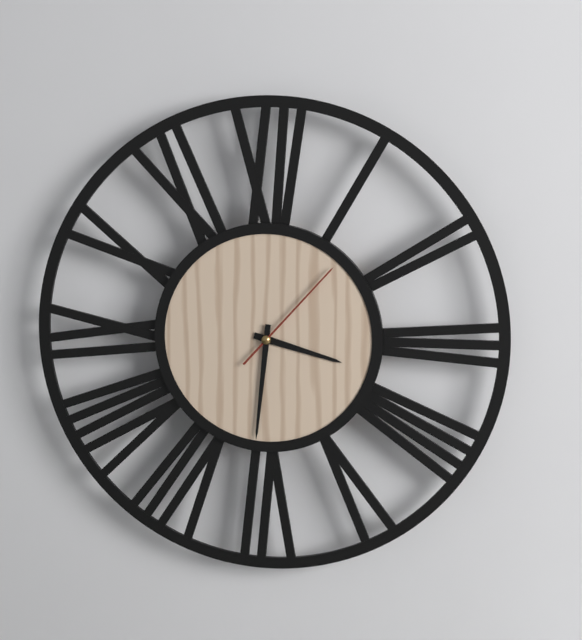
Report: 3:31:07
